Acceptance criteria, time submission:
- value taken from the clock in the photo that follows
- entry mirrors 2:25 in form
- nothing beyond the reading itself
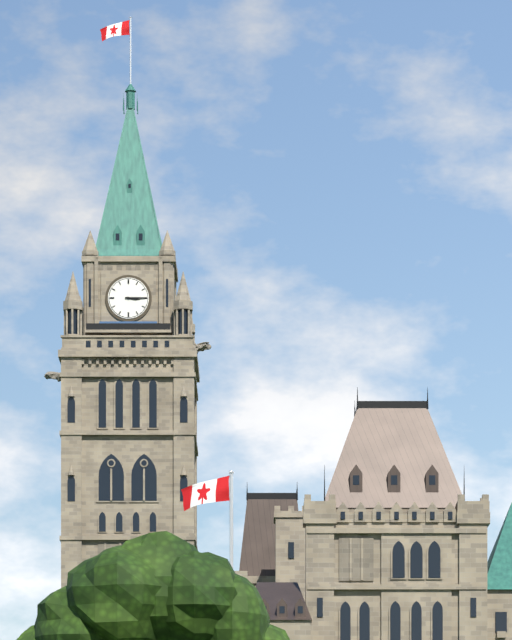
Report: 3:15
